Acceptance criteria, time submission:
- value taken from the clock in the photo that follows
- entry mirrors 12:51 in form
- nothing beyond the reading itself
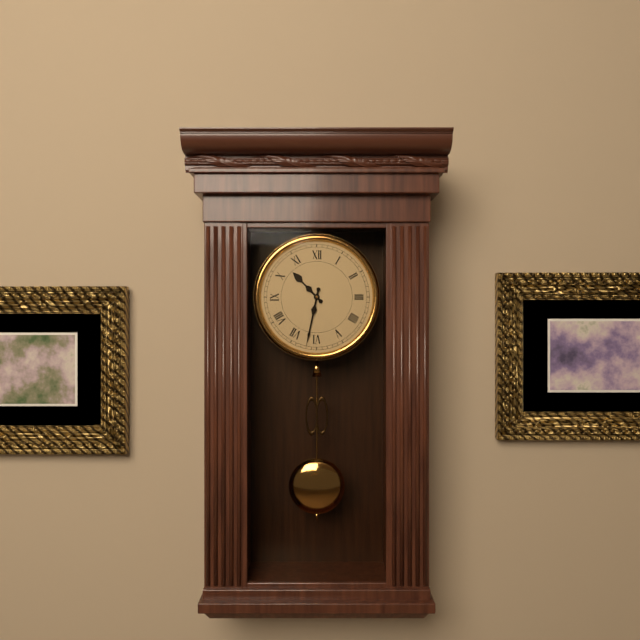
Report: 10:32
